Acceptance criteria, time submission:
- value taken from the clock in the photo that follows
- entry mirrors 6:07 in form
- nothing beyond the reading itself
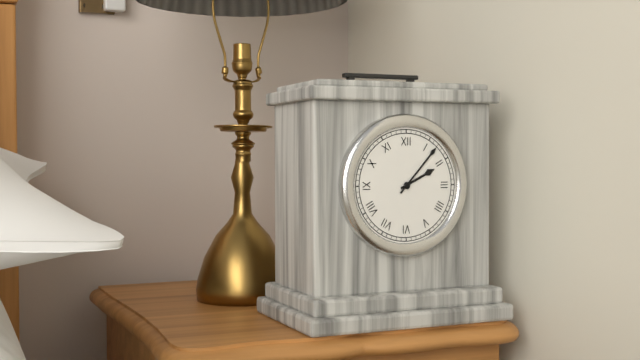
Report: 2:07
